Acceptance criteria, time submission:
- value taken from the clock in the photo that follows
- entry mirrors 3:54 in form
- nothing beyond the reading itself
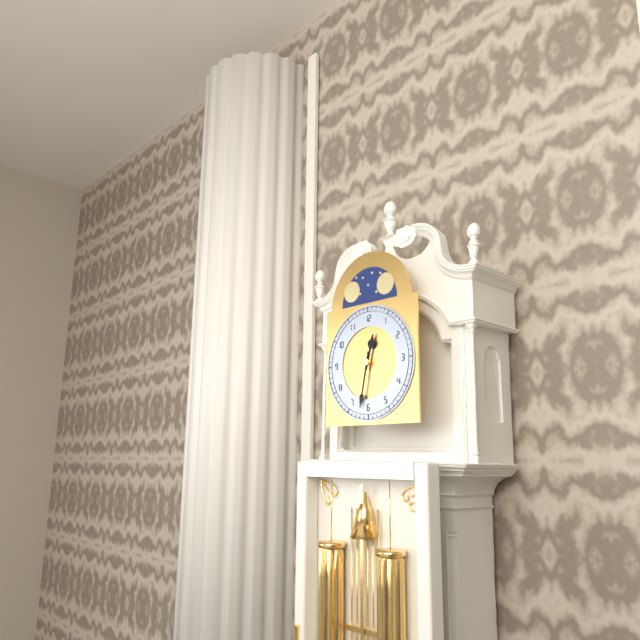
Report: 12:32
